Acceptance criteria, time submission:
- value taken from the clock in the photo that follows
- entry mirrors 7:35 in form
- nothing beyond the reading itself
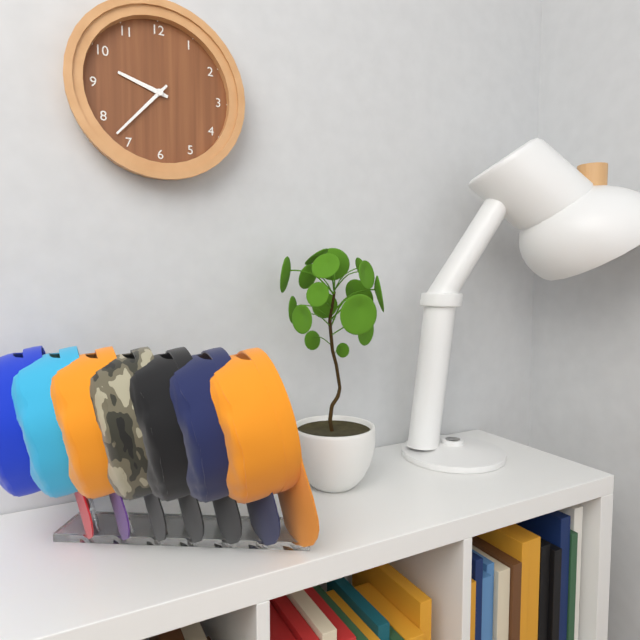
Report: 9:37
